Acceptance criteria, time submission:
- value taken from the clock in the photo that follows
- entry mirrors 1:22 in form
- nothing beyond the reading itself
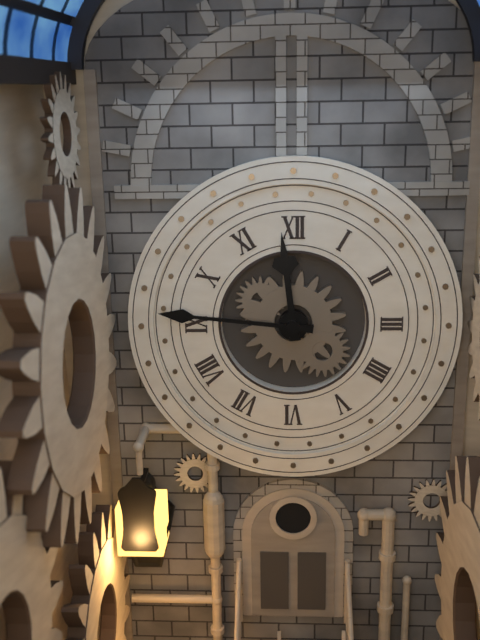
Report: 11:46
